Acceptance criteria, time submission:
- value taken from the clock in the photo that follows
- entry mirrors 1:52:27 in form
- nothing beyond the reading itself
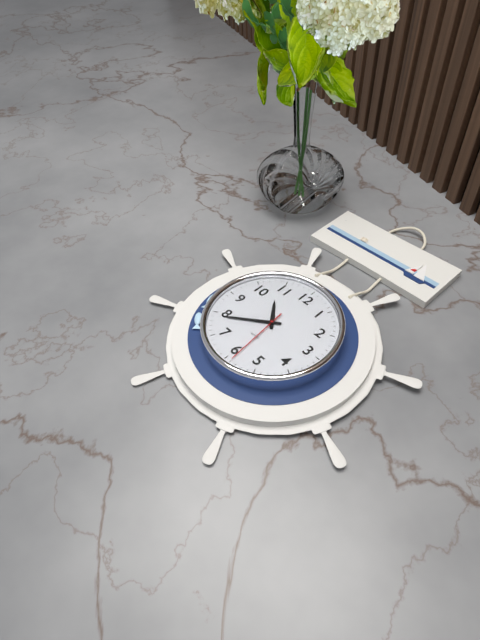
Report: 10:39:29
